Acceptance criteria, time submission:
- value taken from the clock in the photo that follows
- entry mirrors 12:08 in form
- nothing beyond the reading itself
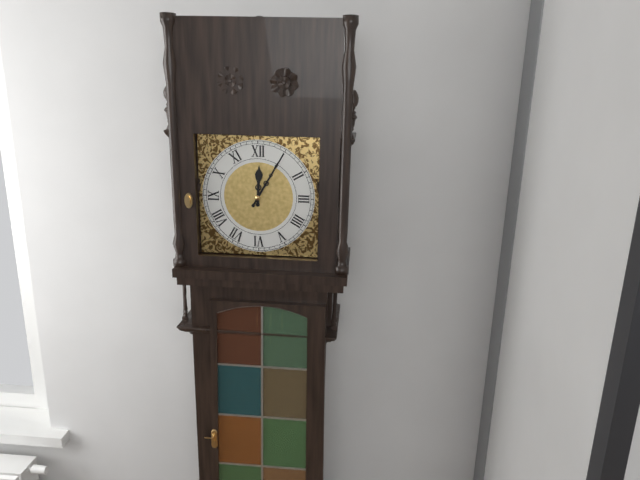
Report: 12:05
